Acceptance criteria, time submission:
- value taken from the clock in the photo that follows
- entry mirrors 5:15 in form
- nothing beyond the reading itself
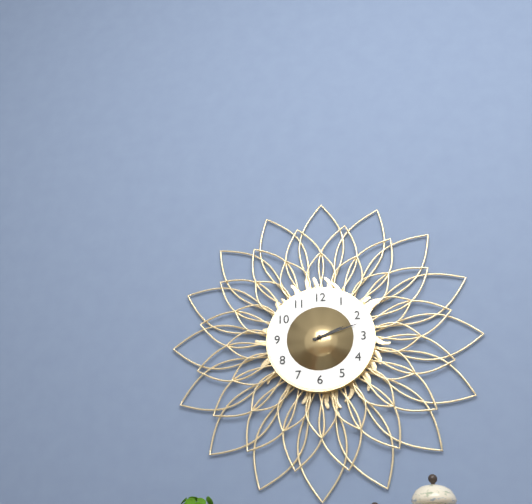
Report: 2:12
